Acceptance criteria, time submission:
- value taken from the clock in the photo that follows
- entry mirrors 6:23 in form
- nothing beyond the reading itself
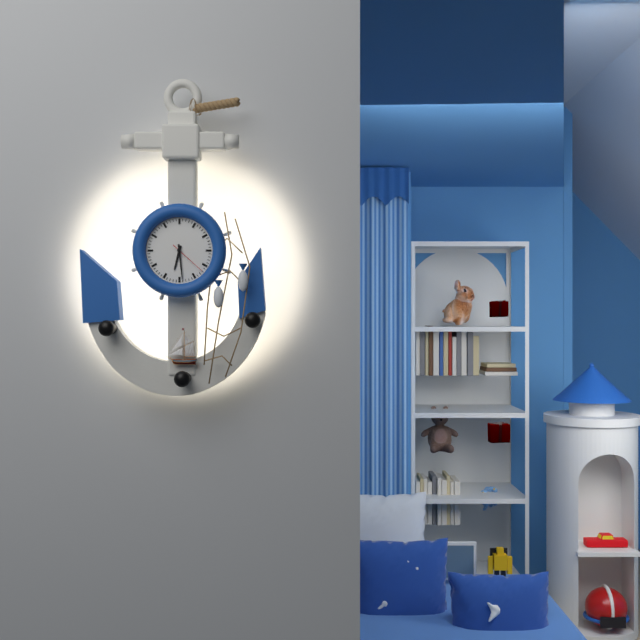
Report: 6:29
